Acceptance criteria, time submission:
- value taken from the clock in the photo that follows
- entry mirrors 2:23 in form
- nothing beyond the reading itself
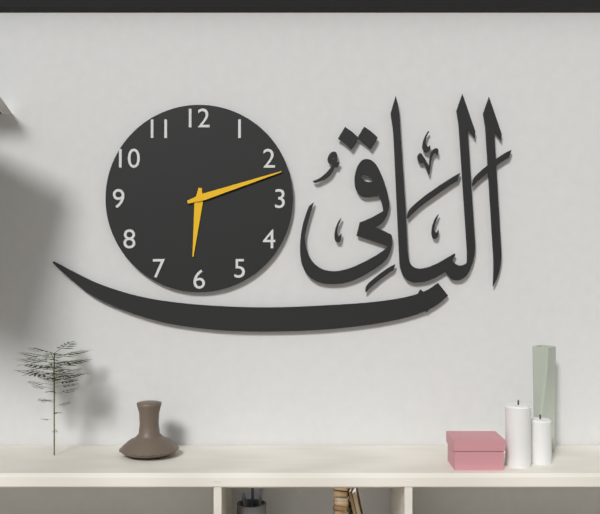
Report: 6:12
